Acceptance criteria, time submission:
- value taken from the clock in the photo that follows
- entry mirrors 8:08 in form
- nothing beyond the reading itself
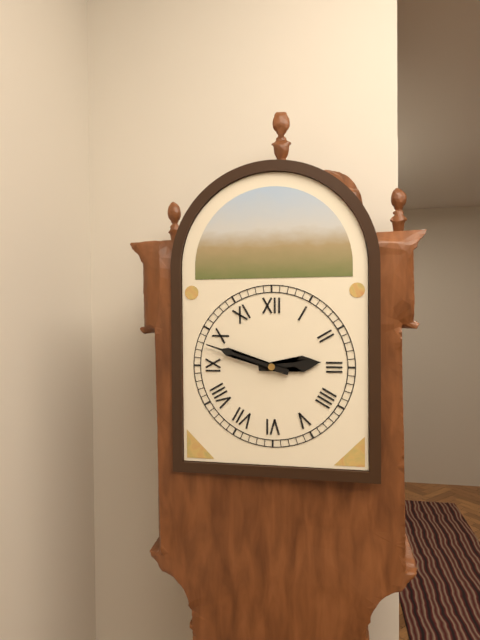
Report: 2:48
